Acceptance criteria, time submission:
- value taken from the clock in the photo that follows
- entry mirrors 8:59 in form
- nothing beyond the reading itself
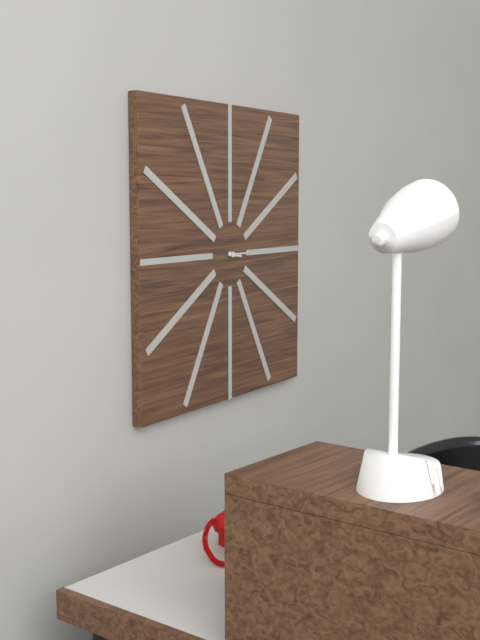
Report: 3:15
